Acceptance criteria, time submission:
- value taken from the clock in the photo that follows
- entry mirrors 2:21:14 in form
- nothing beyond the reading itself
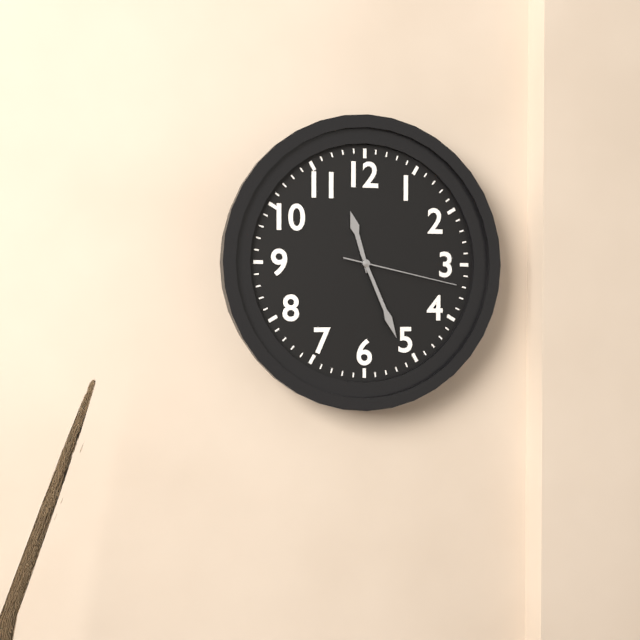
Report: 11:26:17
